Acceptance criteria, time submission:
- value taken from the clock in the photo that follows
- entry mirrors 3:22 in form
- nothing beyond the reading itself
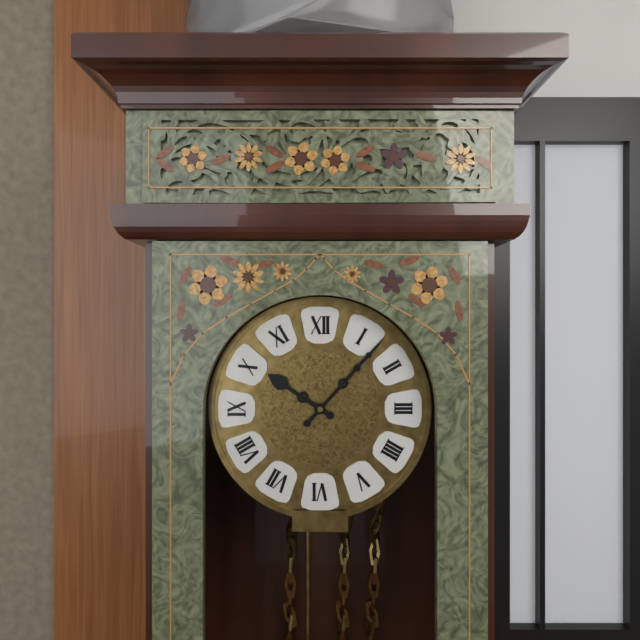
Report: 10:07
